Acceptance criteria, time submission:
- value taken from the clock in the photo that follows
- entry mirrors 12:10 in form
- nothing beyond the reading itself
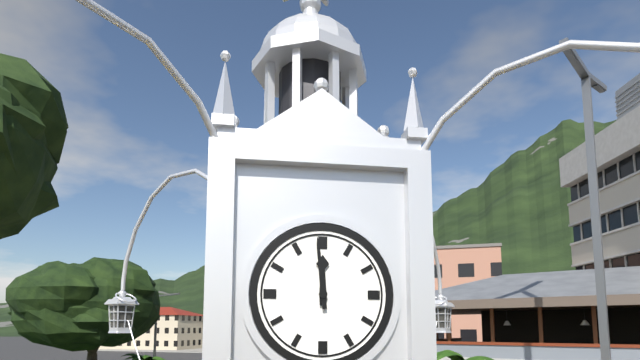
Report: 11:59
